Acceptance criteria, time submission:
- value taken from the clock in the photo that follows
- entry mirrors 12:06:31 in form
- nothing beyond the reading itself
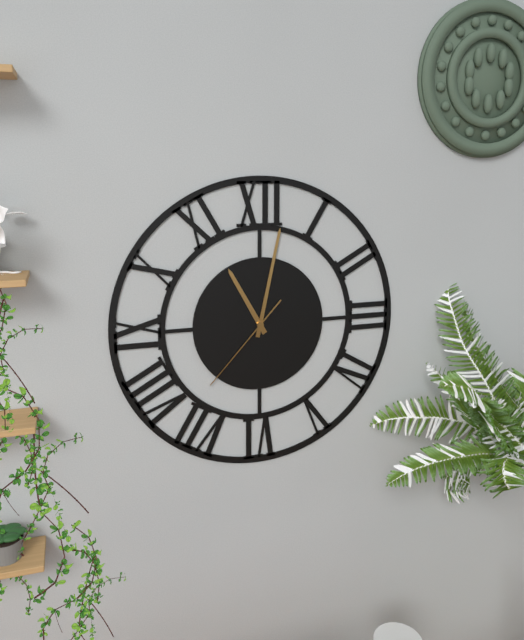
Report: 11:02:37
